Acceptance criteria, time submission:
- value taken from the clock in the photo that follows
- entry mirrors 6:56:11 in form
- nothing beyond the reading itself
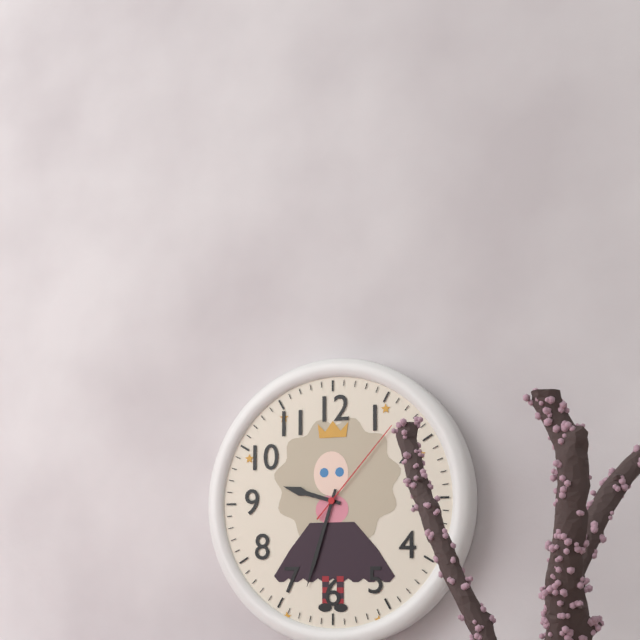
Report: 9:33:07
